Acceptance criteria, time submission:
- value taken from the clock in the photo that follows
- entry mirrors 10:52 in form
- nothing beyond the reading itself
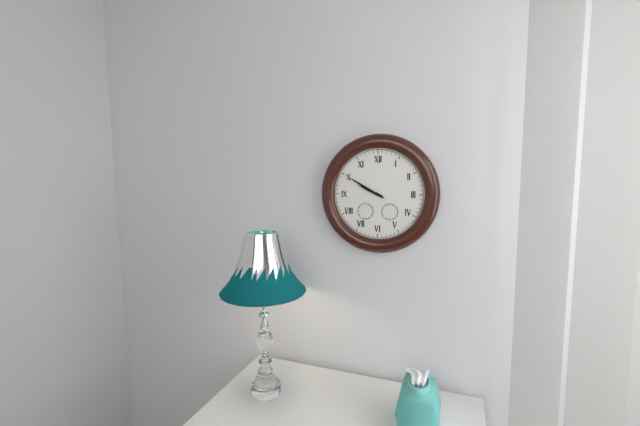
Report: 9:50
